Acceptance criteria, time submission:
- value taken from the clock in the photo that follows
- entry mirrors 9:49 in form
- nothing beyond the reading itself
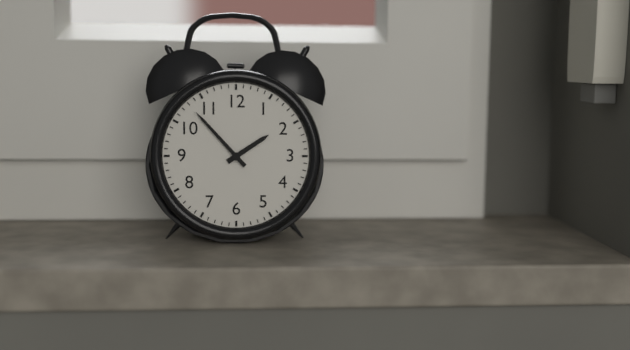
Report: 1:53
